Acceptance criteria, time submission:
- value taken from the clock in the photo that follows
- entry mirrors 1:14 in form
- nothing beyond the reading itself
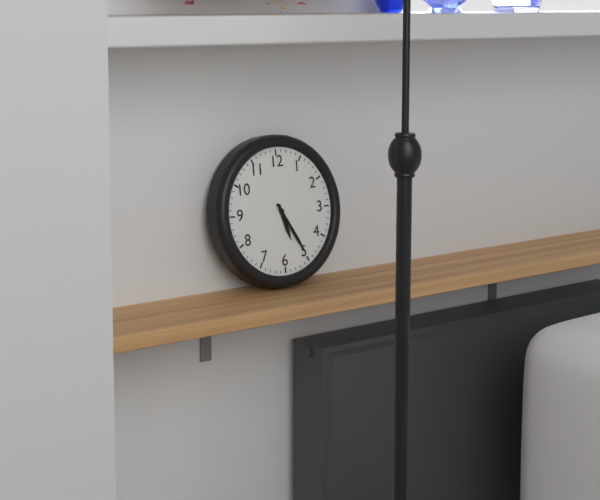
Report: 5:25
